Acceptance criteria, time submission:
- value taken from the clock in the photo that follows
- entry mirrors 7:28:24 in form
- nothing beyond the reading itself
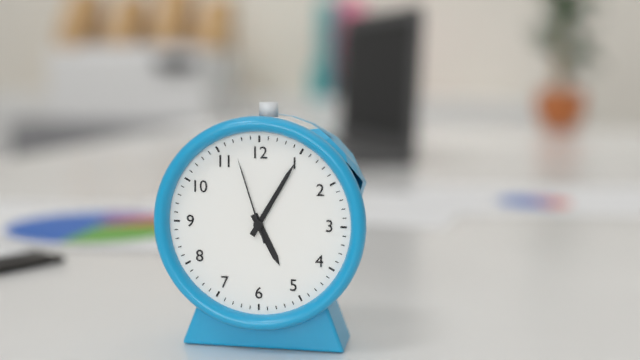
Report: 5:05:57
